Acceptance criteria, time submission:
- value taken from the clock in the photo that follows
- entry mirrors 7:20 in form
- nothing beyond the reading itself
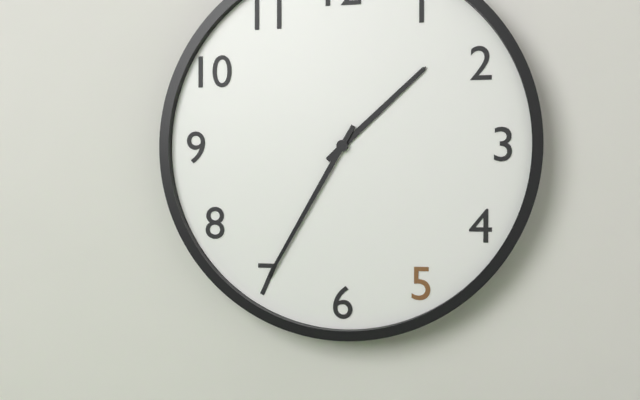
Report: 1:35
